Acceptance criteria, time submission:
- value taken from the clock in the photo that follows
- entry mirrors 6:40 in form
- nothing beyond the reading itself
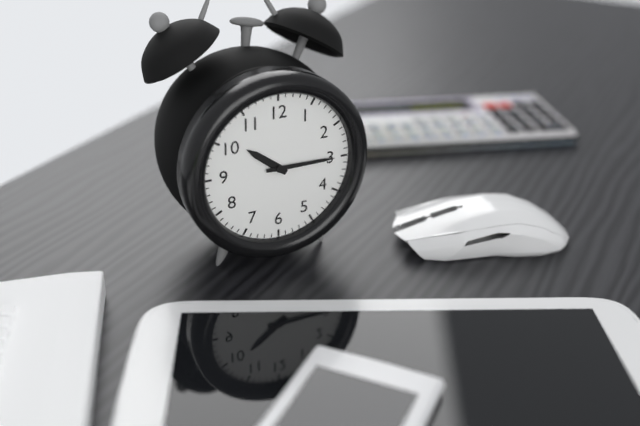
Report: 10:15
